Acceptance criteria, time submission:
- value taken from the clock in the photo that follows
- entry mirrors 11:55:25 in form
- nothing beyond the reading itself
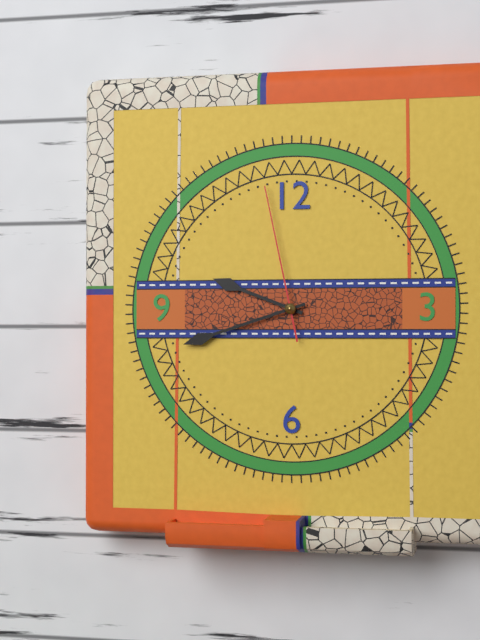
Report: 9:42:58
